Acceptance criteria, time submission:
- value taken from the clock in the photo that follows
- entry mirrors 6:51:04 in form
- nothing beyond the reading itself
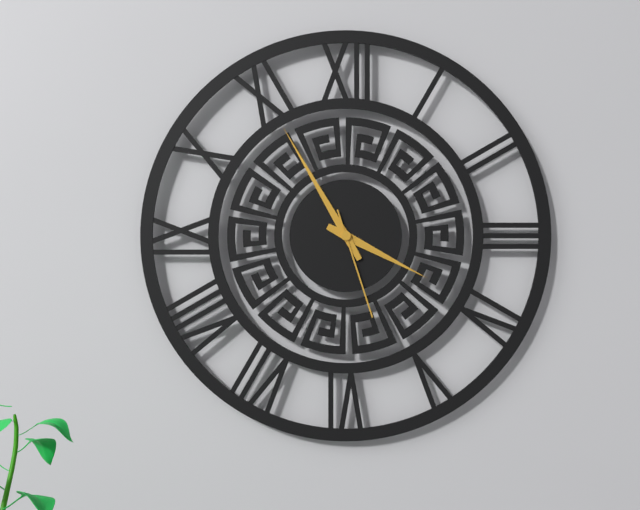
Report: 3:55:27
